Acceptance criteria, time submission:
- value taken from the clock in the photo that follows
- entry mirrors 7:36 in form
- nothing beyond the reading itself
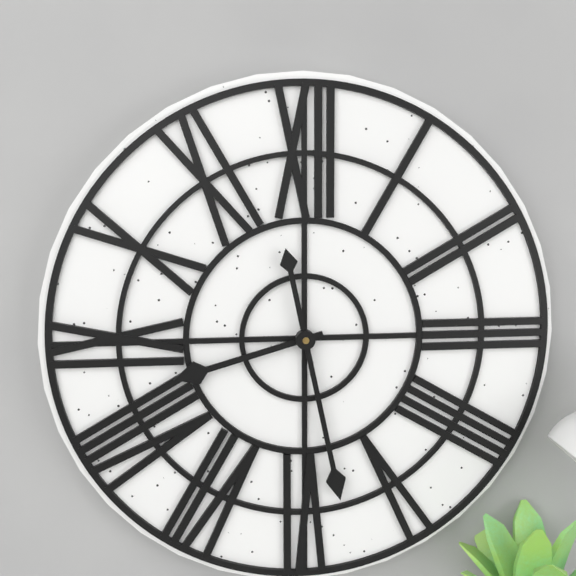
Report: 8:28
